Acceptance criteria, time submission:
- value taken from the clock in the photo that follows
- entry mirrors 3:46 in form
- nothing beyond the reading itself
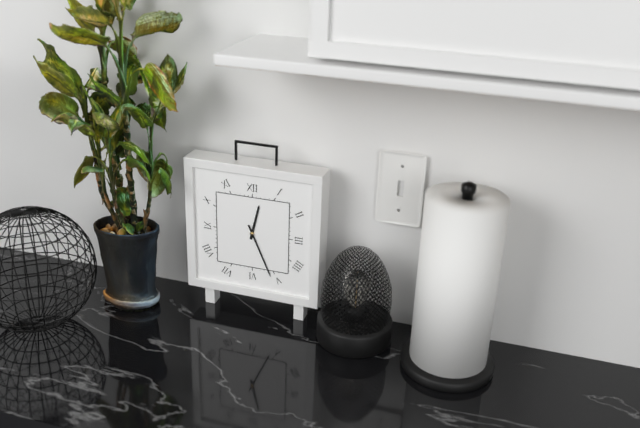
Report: 12:26
